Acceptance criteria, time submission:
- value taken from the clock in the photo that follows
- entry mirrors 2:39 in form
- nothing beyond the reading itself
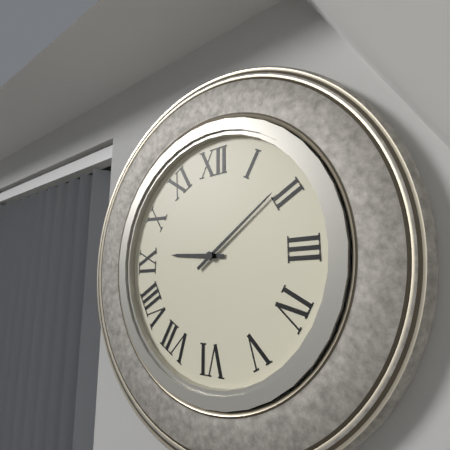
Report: 9:09
